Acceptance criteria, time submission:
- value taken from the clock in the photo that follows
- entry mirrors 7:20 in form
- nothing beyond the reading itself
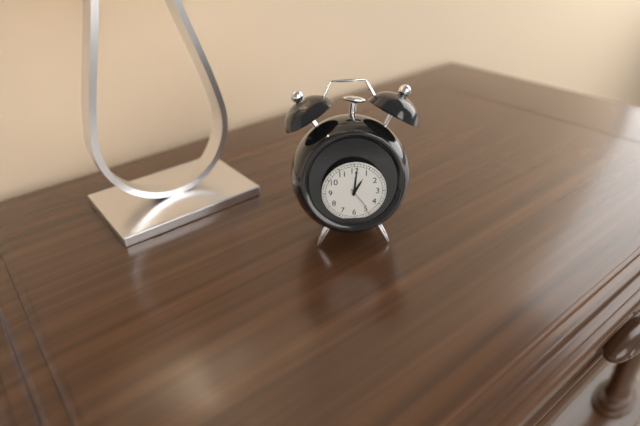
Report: 1:01
